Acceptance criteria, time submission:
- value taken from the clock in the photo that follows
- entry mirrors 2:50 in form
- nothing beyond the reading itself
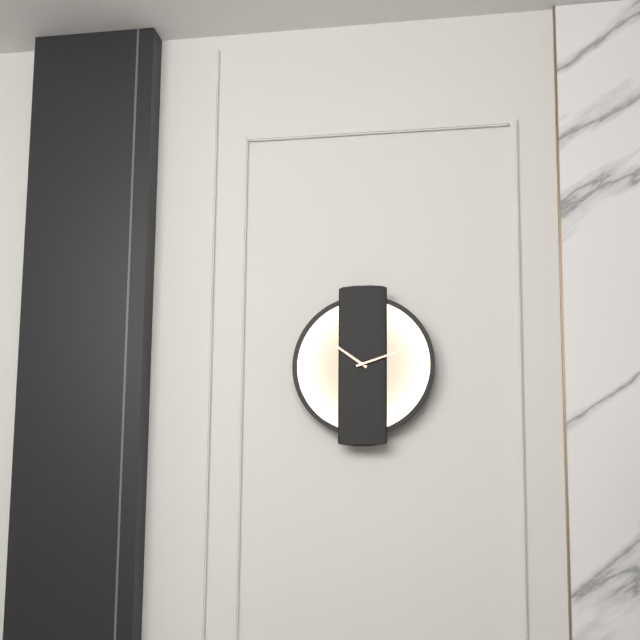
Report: 10:12
